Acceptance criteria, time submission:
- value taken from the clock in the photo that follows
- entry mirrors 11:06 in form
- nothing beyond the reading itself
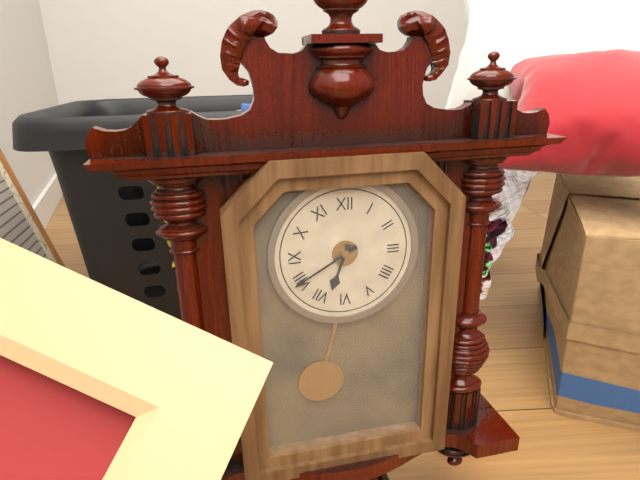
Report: 6:40
